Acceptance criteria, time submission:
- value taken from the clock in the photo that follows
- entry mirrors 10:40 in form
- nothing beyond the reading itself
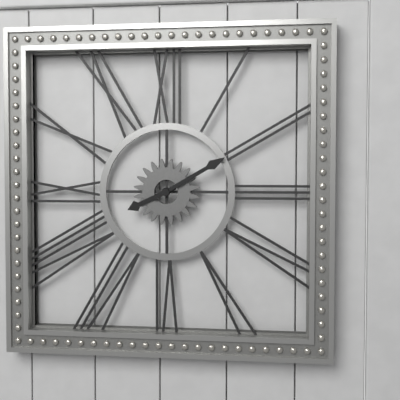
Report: 8:10
